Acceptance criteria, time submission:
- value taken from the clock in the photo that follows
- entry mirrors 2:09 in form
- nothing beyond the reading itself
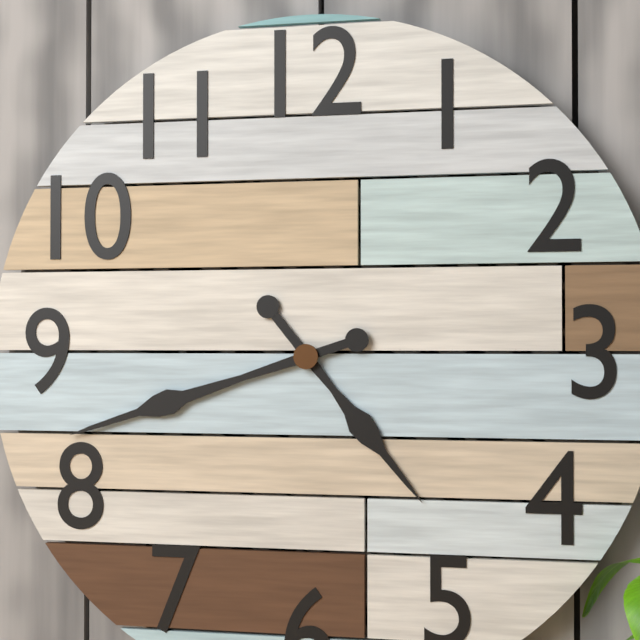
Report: 4:42
